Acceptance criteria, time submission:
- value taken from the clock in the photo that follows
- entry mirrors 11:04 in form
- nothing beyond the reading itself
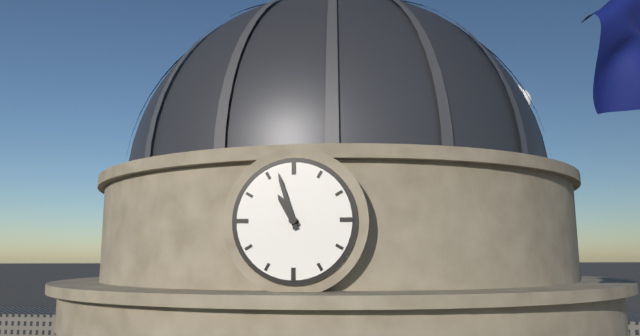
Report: 10:57
